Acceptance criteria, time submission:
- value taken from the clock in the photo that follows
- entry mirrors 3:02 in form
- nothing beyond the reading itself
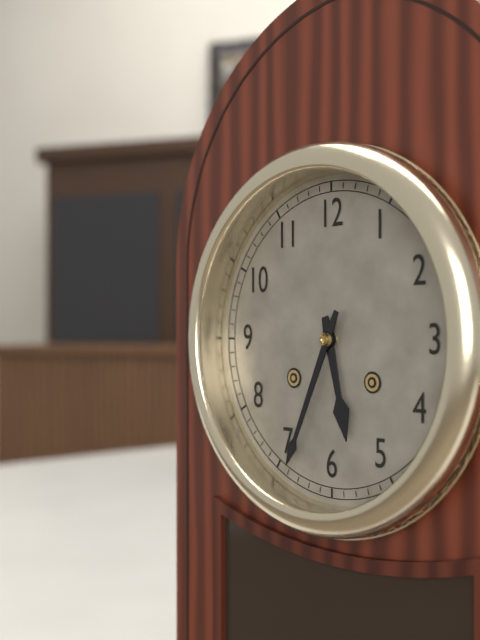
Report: 5:34
